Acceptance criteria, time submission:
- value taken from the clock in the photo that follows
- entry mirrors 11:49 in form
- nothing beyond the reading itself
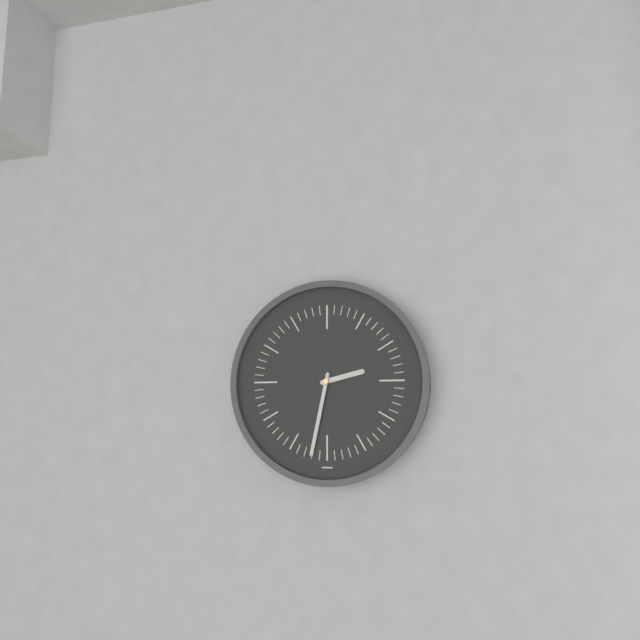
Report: 2:32
